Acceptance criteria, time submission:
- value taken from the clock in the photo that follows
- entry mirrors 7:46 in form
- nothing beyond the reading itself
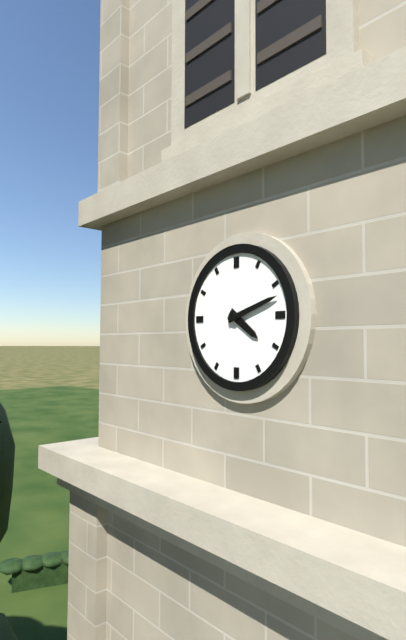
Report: 4:12
